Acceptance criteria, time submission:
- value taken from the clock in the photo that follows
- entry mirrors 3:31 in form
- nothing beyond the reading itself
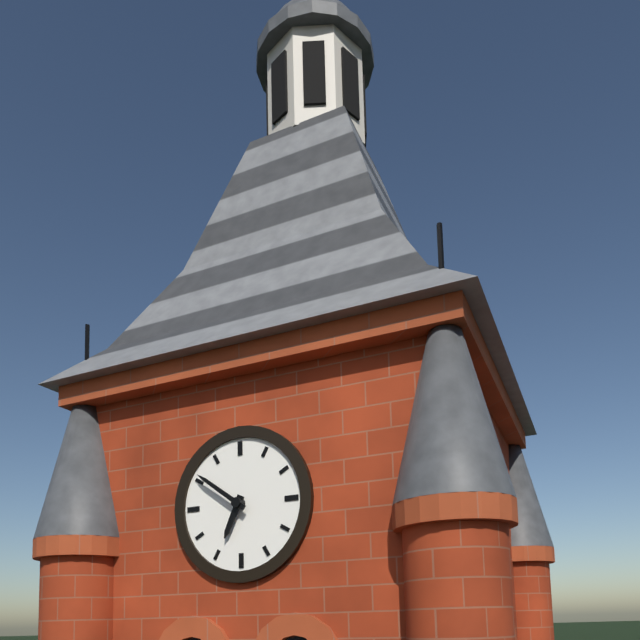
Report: 6:51
